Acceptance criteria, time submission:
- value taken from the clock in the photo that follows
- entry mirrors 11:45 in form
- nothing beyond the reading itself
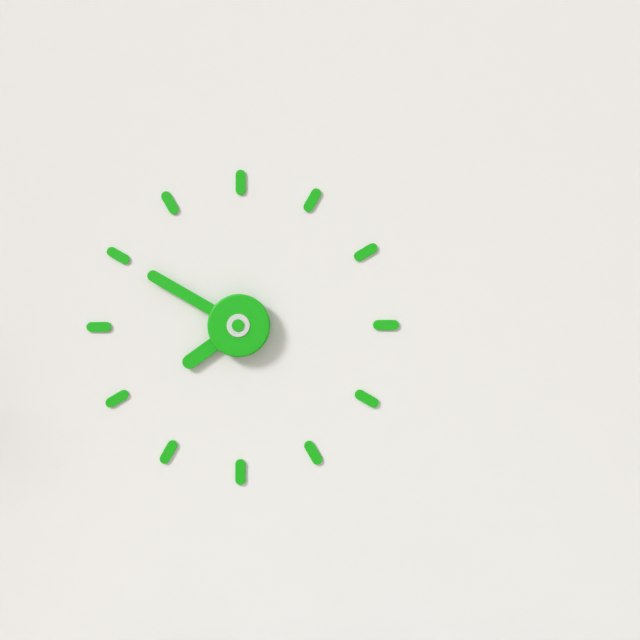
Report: 7:50
